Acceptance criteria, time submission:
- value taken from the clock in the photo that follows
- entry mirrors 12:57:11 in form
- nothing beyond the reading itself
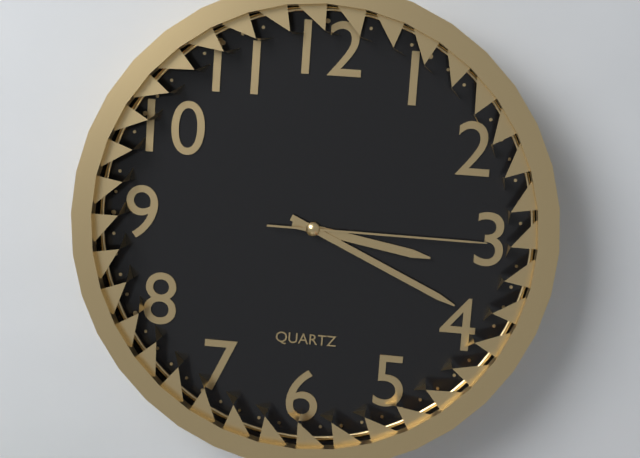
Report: 3:19:15
